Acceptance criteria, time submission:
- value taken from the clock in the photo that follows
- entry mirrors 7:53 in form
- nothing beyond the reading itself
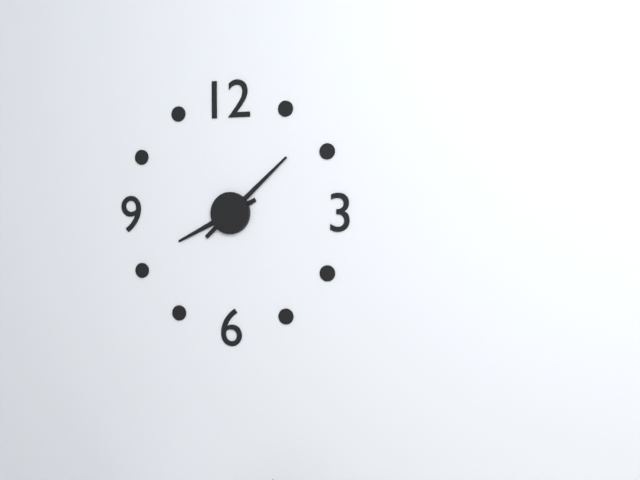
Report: 8:08
